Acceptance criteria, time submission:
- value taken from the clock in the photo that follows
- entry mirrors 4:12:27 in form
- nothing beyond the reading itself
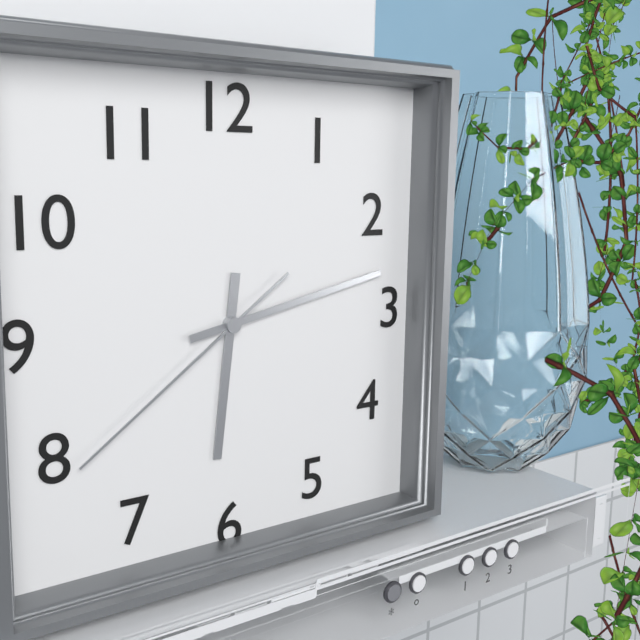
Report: 6:13:39
